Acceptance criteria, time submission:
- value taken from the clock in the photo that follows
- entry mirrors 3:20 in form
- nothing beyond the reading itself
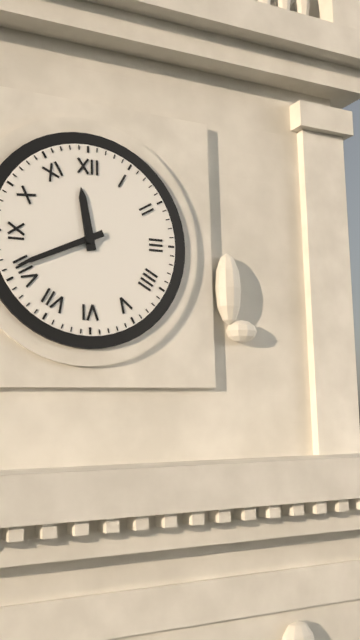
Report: 11:41
